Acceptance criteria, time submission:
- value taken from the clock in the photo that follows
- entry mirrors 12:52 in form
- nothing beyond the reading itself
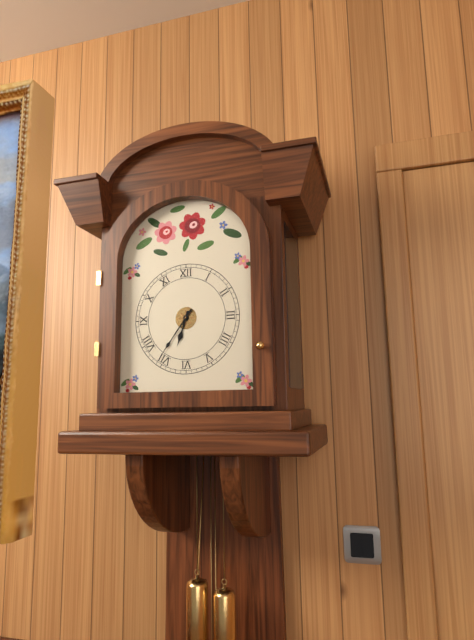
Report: 6:36
